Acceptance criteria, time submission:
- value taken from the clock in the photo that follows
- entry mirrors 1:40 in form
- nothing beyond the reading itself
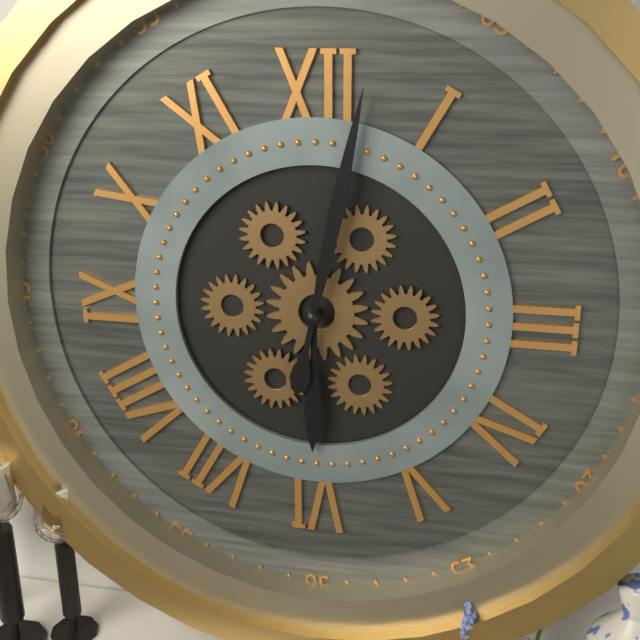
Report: 6:02
